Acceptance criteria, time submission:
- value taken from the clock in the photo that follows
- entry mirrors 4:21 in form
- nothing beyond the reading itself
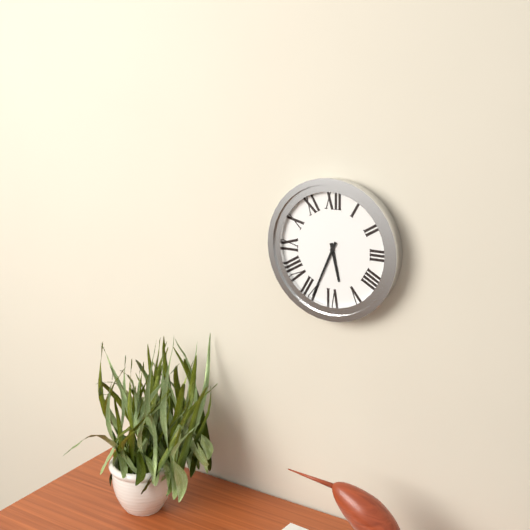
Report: 5:34
